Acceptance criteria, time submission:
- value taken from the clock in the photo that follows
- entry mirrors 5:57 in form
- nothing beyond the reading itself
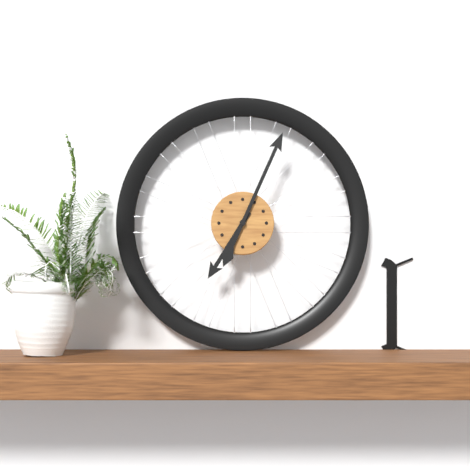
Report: 7:04
